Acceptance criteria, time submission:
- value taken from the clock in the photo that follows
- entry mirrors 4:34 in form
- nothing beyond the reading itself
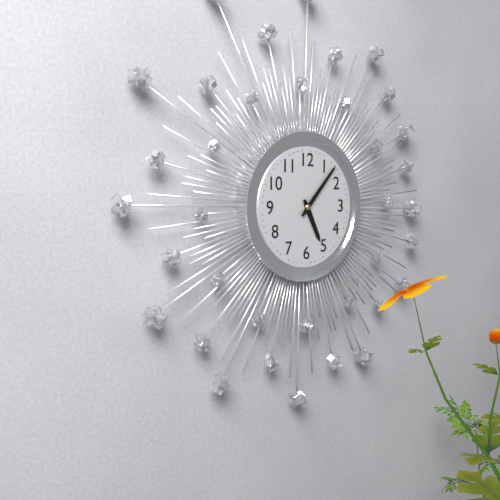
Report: 5:07
